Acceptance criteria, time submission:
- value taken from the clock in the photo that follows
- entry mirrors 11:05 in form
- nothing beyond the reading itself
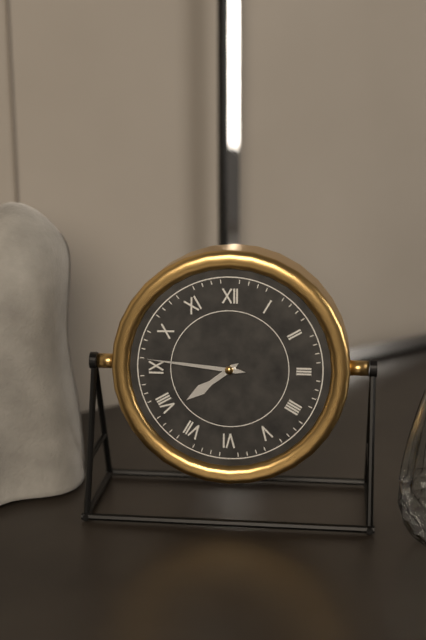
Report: 7:46
